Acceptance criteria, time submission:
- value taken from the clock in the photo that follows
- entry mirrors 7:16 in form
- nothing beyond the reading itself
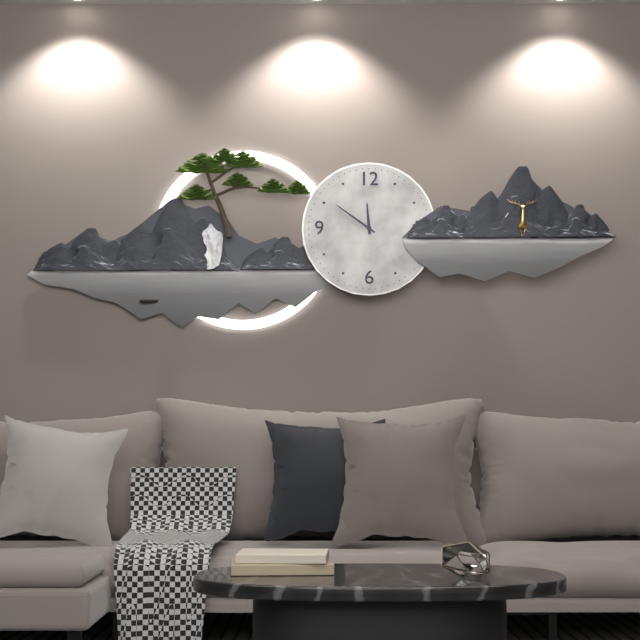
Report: 11:51
